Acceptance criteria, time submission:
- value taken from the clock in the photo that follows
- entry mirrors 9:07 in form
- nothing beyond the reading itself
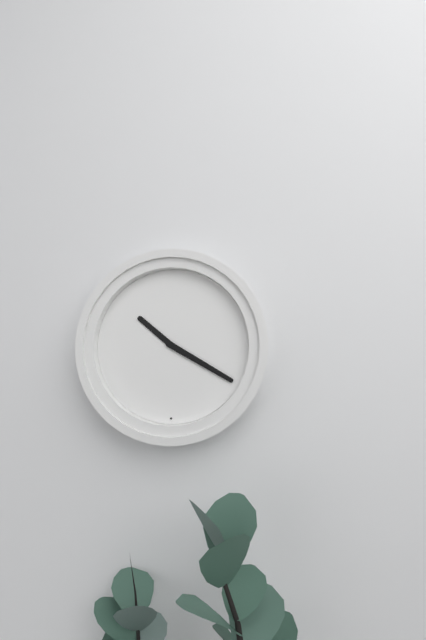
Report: 10:20
